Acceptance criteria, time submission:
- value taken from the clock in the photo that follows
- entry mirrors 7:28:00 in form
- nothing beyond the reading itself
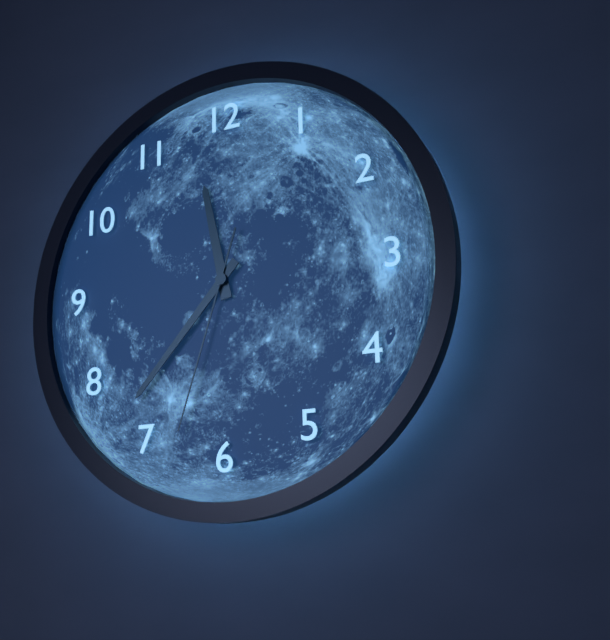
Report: 11:37:33
